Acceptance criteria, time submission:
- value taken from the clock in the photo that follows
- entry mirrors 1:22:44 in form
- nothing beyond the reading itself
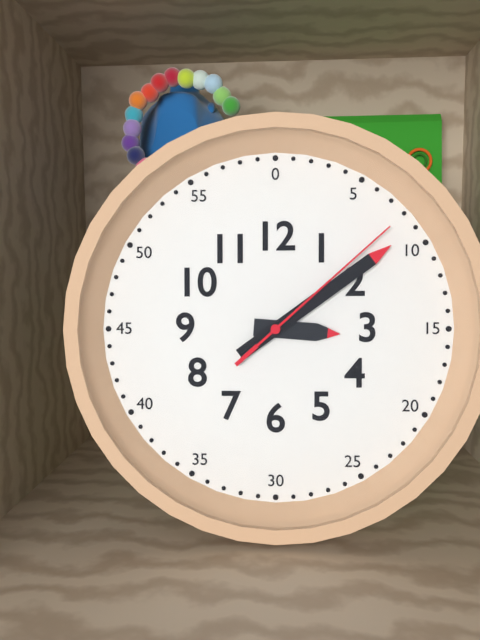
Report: 3:09:08
